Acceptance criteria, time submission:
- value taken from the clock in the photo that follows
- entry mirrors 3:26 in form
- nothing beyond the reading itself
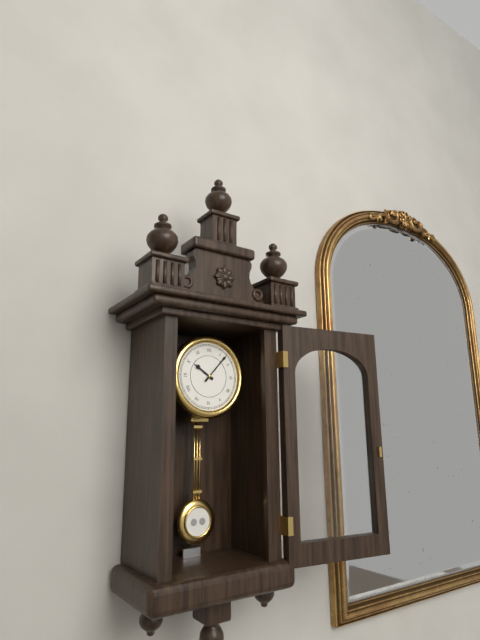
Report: 10:07
